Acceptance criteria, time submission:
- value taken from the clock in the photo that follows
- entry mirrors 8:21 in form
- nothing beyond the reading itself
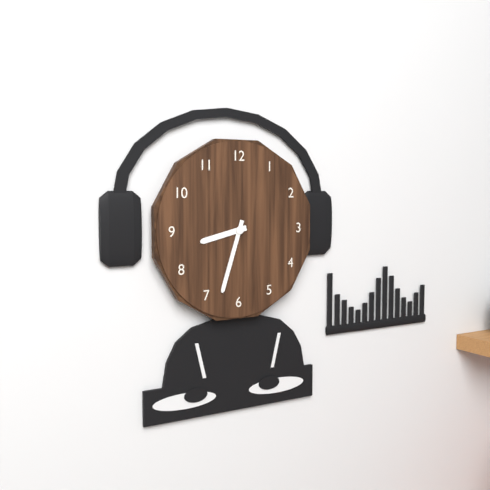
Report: 8:33
